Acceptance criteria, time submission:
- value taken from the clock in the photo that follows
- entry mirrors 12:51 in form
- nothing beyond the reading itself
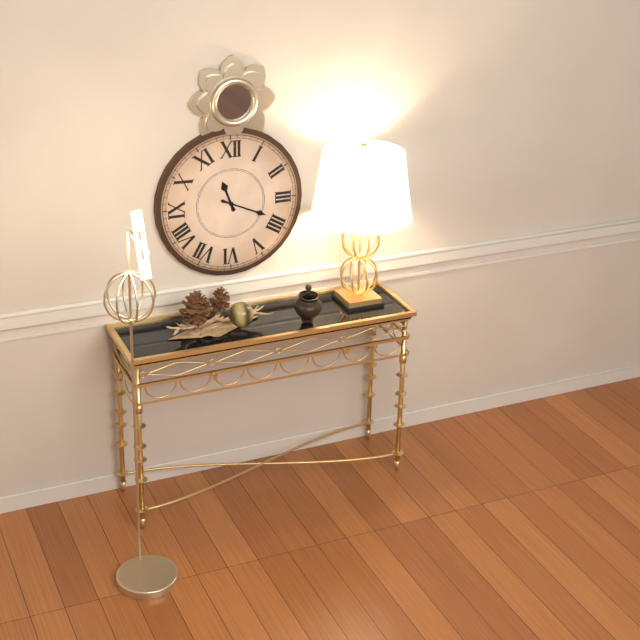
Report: 11:19
